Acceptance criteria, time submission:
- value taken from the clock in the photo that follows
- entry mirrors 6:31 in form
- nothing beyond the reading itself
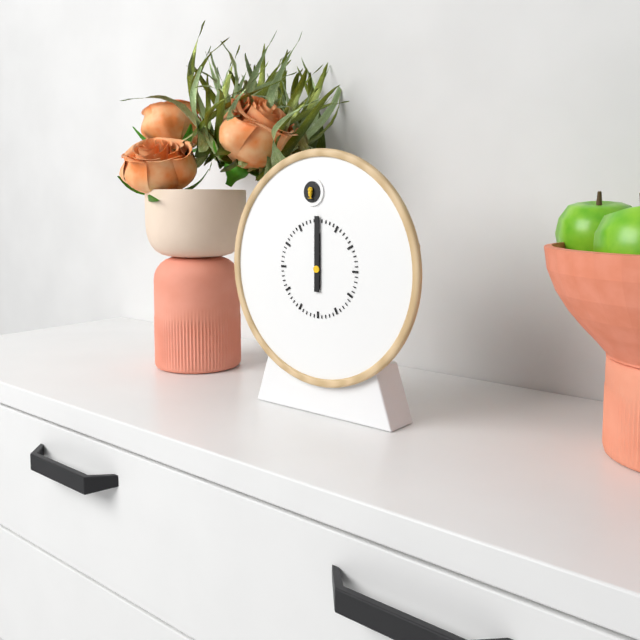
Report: 12:00
